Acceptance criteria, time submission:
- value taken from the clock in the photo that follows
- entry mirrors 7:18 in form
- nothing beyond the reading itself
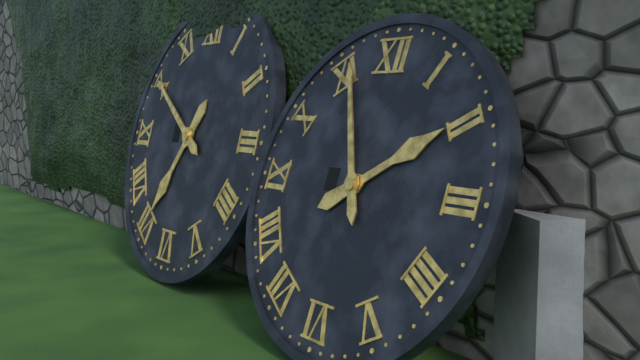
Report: 1:56
